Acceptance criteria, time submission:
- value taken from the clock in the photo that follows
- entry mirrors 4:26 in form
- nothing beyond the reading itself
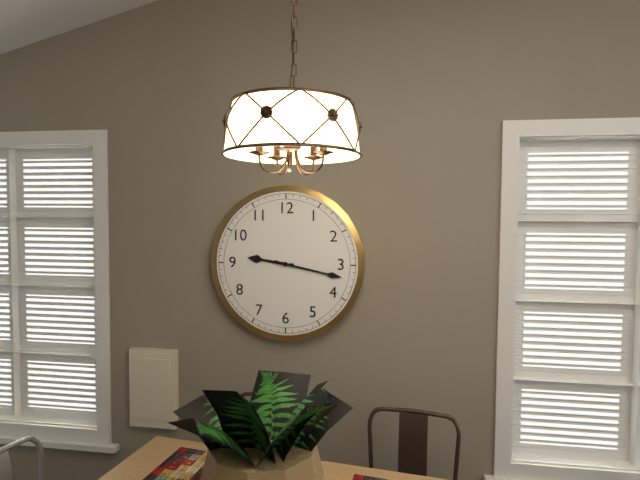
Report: 9:17
